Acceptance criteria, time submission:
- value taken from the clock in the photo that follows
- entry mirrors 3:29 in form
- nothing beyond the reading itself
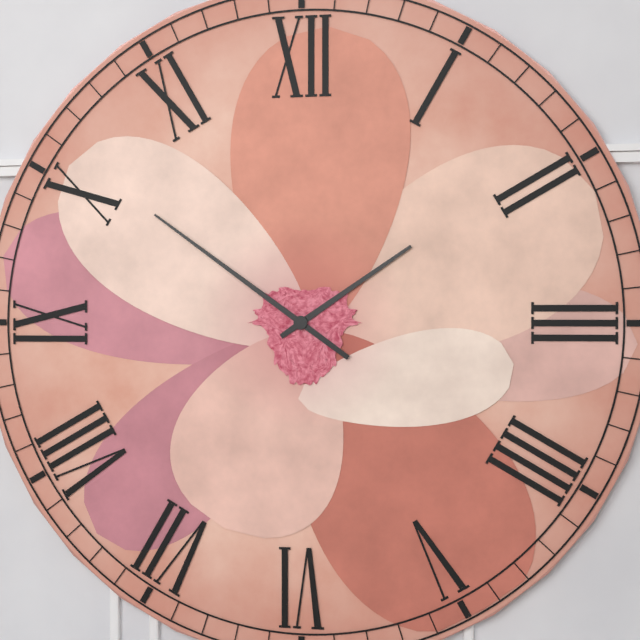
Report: 1:51
